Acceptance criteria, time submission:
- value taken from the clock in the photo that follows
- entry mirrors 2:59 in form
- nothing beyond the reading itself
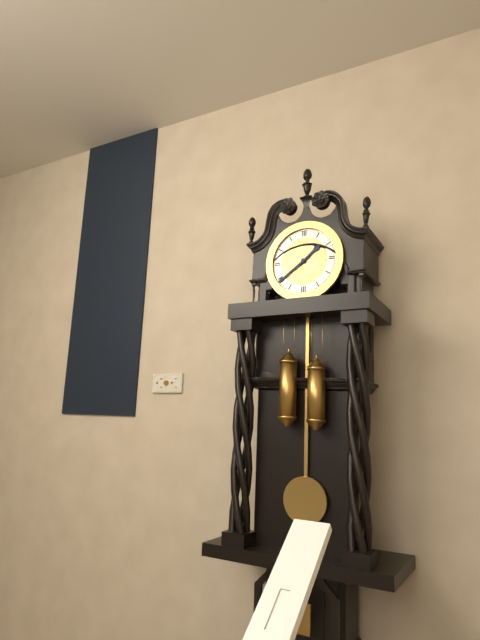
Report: 1:39
